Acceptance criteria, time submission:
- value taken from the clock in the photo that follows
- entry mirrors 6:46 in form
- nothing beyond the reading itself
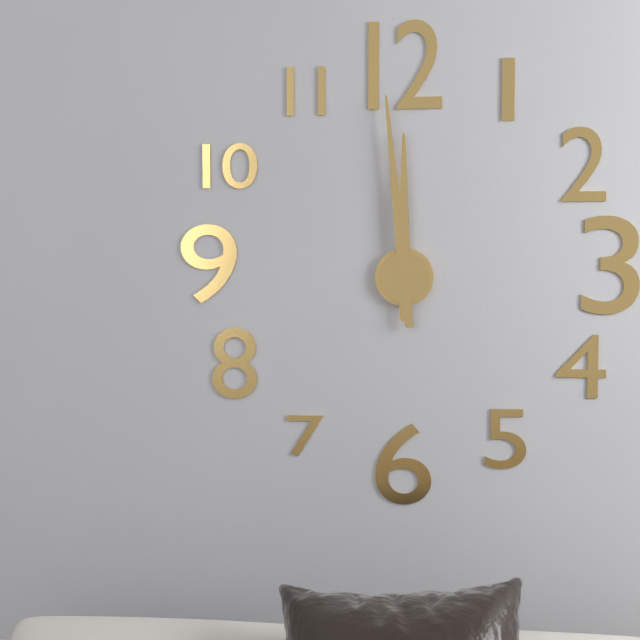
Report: 11:59
